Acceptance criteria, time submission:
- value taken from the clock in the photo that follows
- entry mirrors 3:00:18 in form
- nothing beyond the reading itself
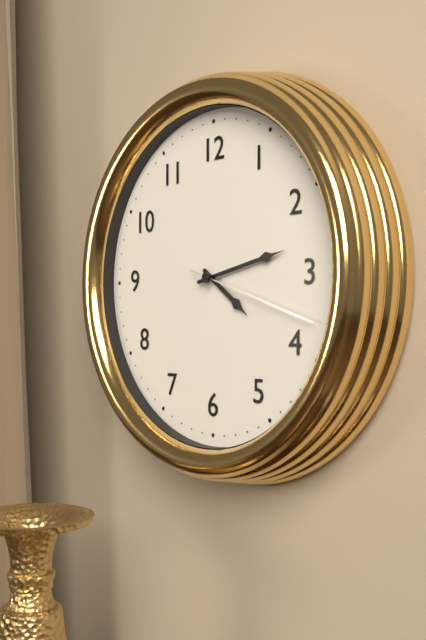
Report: 4:13:18
